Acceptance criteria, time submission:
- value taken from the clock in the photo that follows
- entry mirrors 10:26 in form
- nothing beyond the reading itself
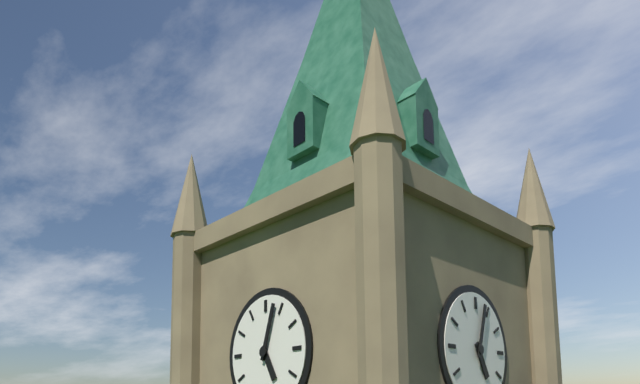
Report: 5:03
